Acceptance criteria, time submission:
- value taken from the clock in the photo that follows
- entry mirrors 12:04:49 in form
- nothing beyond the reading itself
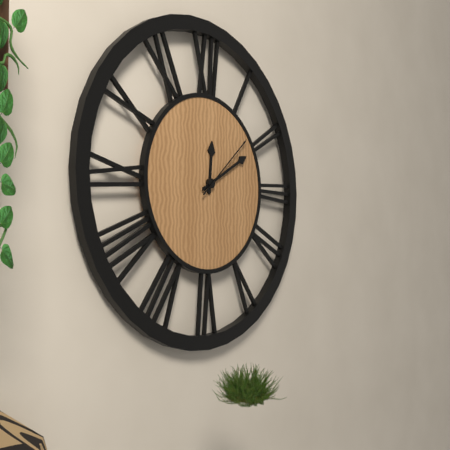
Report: 12:10:08
